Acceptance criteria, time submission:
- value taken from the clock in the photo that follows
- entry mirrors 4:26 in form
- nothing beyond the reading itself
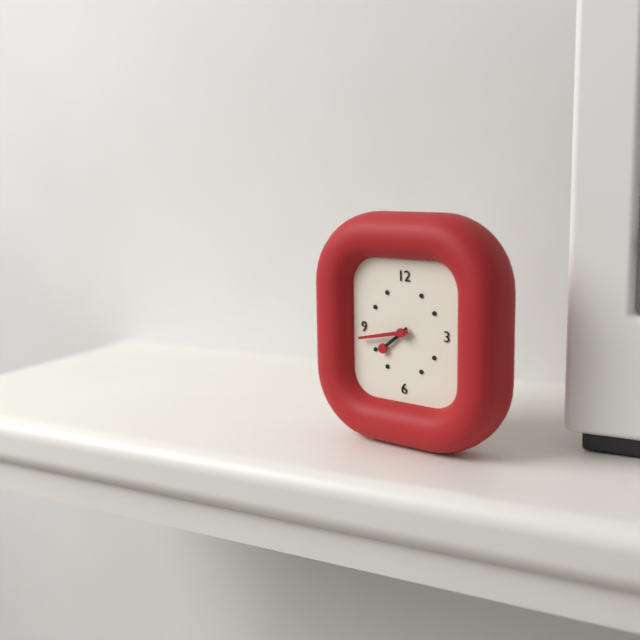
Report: 7:43
